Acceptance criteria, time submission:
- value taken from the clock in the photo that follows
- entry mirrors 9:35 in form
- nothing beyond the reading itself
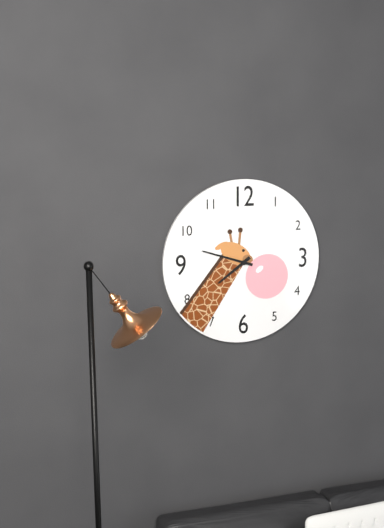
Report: 7:48
